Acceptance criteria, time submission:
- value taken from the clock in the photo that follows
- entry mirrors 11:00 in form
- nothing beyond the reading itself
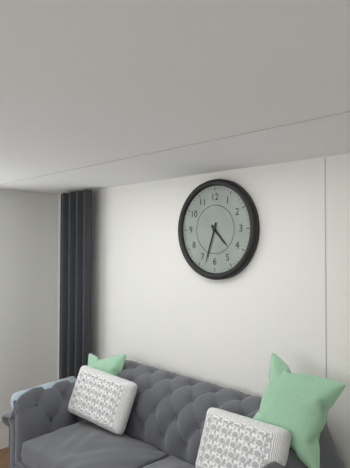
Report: 4:33
